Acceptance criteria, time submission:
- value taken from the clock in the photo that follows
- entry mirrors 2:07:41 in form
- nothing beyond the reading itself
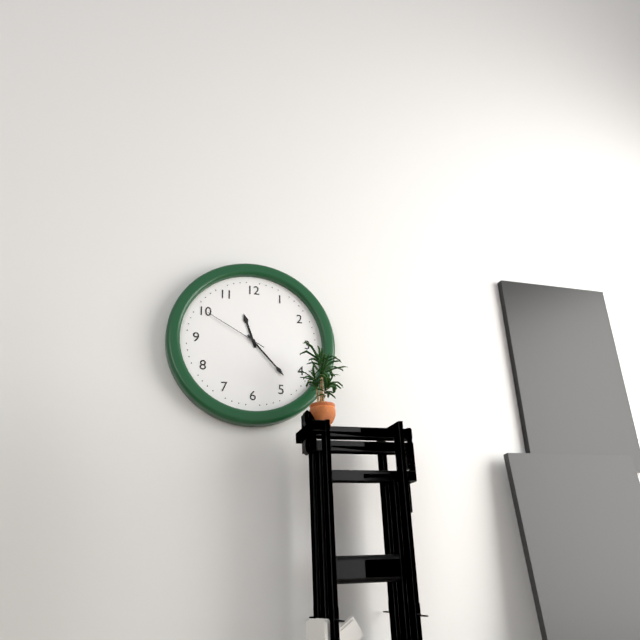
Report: 11:23:50
